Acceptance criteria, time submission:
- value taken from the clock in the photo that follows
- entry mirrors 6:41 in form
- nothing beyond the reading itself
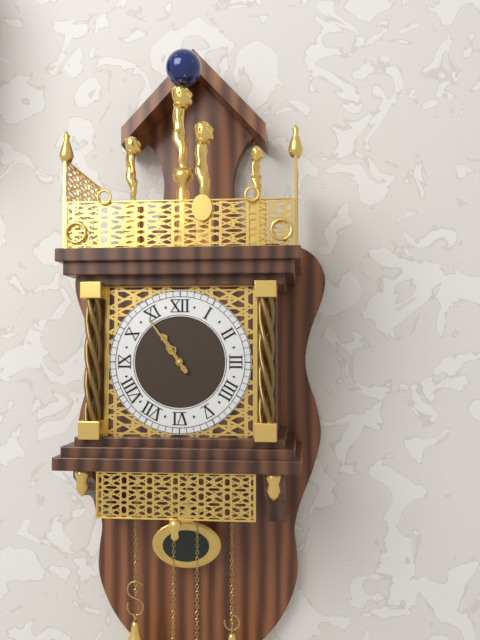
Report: 10:54
